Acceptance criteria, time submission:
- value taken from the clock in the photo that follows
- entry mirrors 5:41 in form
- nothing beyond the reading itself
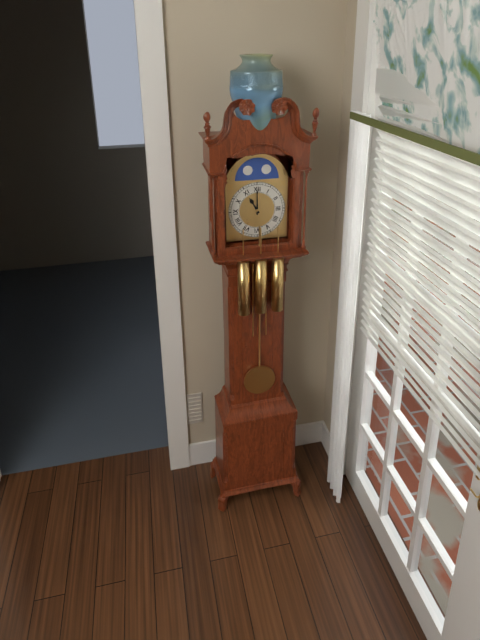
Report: 11:00
